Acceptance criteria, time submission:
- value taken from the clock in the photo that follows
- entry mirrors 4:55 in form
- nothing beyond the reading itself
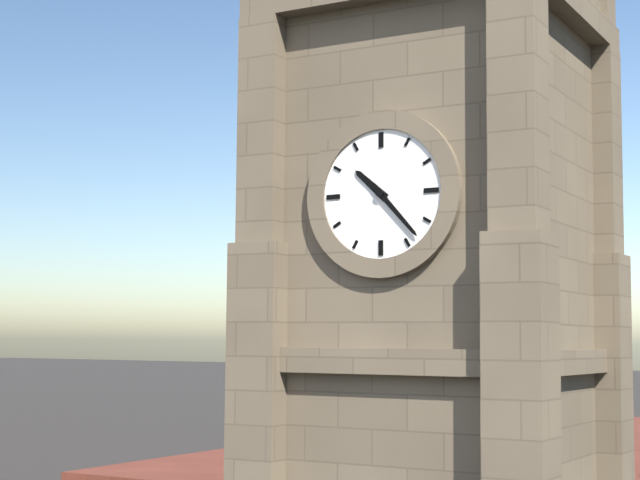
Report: 10:23
